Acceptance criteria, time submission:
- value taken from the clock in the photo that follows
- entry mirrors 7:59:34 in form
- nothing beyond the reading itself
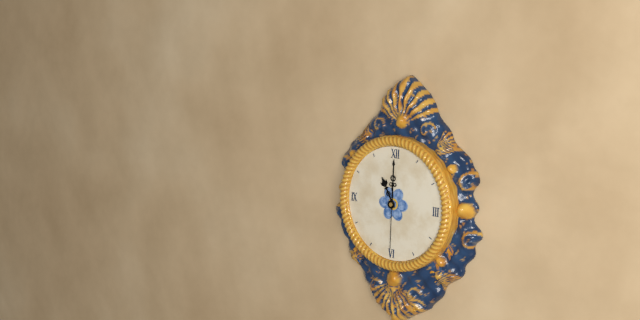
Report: 11:00:30
